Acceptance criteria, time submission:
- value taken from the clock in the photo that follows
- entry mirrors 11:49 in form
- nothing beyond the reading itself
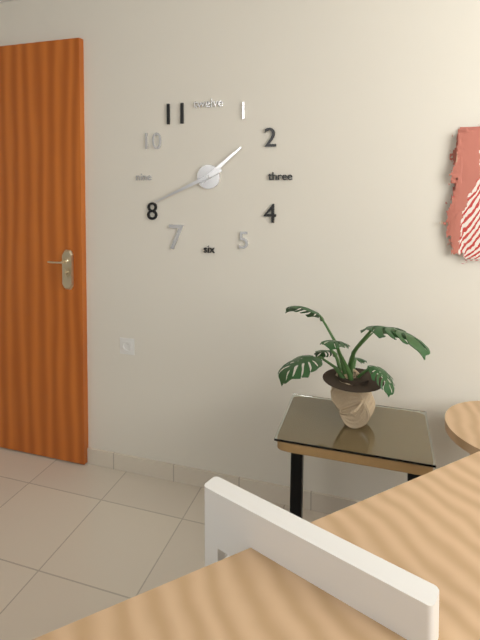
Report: 1:41
